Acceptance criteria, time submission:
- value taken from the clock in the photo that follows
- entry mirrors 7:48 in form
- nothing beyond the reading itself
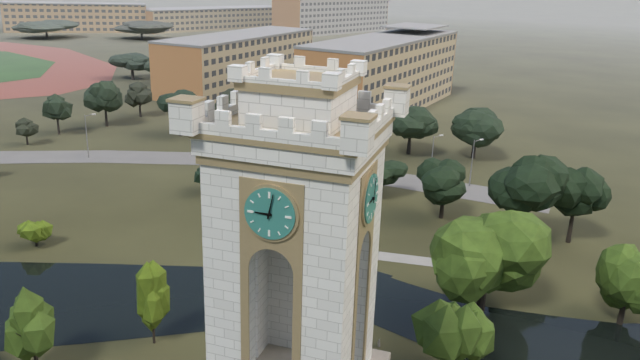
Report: 9:02
